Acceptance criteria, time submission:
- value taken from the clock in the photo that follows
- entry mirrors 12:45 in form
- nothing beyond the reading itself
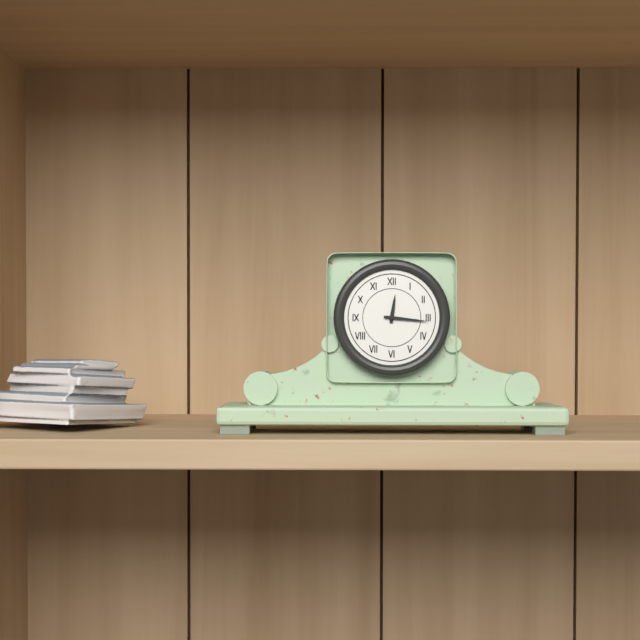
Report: 12:16
